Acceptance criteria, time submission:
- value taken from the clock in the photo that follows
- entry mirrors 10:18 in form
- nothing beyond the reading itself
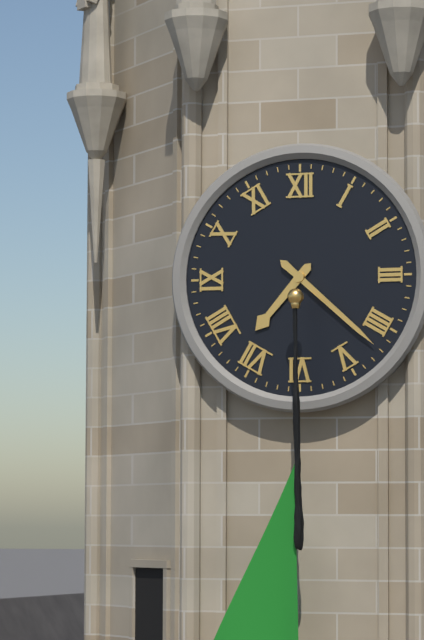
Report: 7:22
